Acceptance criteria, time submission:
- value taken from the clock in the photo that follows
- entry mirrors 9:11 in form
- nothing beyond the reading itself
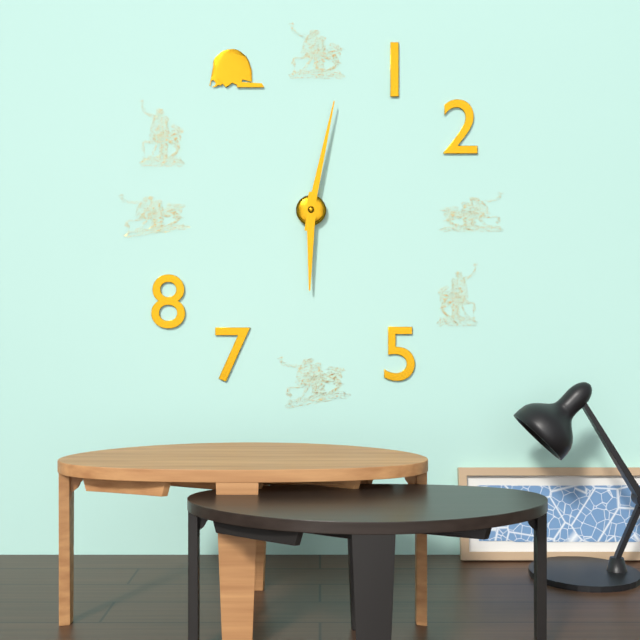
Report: 6:02
